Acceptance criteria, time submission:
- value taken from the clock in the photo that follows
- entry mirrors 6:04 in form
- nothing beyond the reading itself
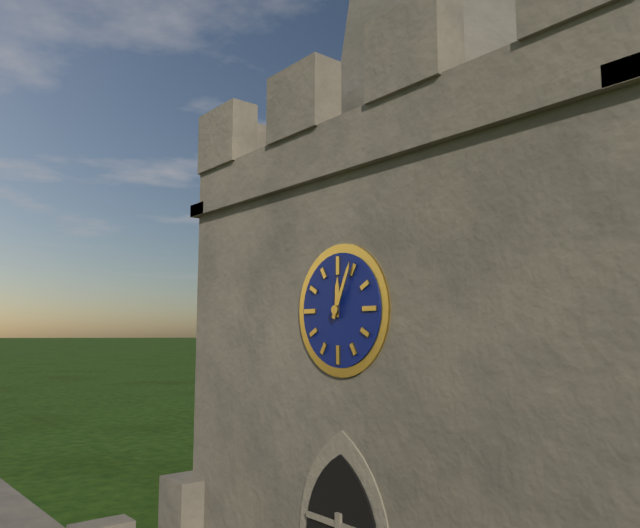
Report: 12:04
